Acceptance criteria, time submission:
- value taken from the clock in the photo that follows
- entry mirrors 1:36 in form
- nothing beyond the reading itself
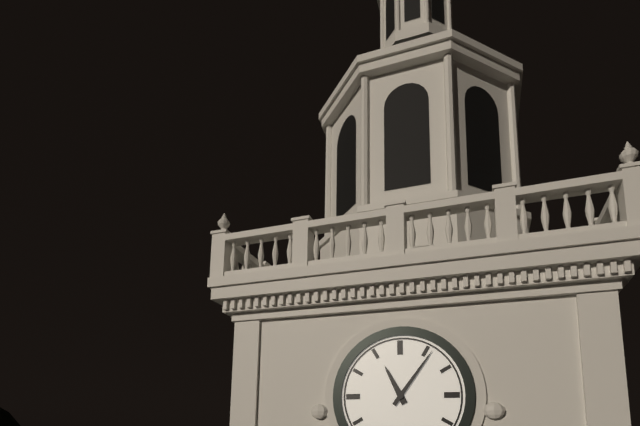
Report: 11:06
